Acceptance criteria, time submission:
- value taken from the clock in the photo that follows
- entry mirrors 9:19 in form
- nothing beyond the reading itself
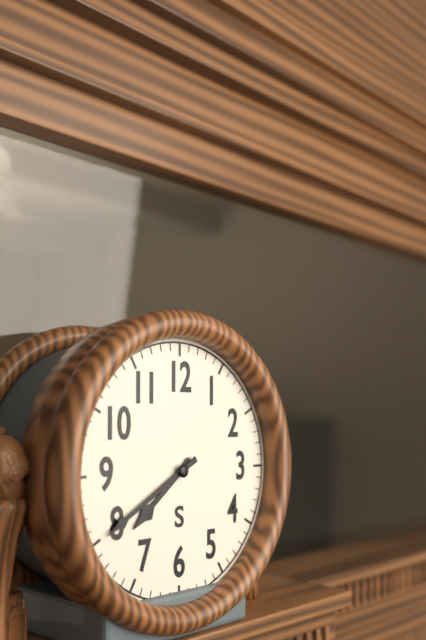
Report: 7:40
